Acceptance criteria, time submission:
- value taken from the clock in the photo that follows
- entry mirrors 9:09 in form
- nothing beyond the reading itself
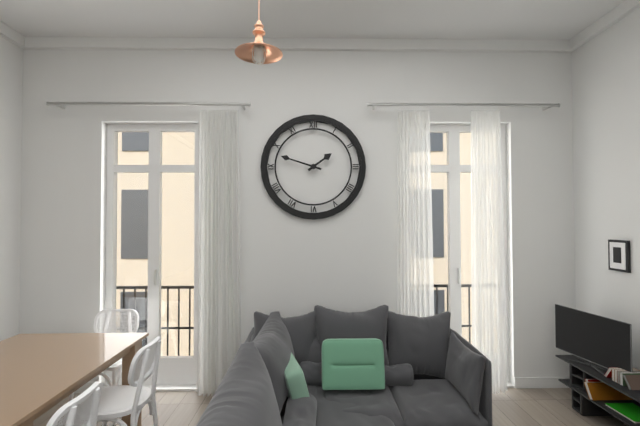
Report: 1:48
